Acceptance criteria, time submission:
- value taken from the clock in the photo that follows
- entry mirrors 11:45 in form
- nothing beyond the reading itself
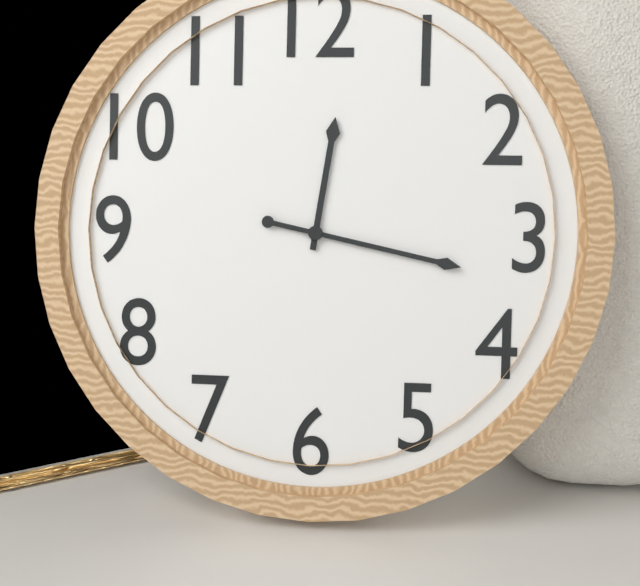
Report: 12:17
